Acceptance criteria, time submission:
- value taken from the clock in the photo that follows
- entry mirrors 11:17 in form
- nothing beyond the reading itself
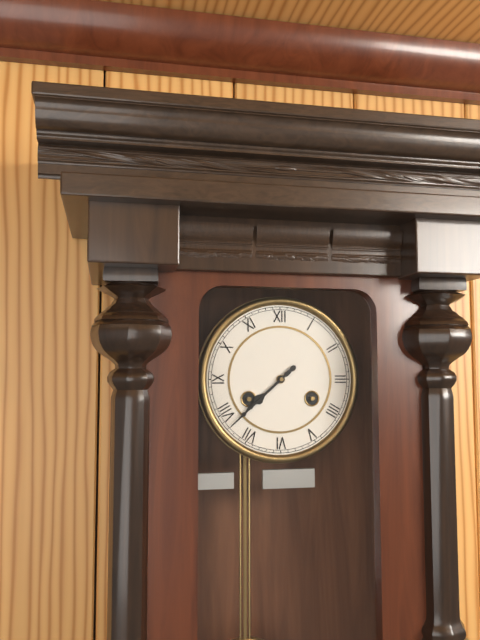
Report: 7:38
